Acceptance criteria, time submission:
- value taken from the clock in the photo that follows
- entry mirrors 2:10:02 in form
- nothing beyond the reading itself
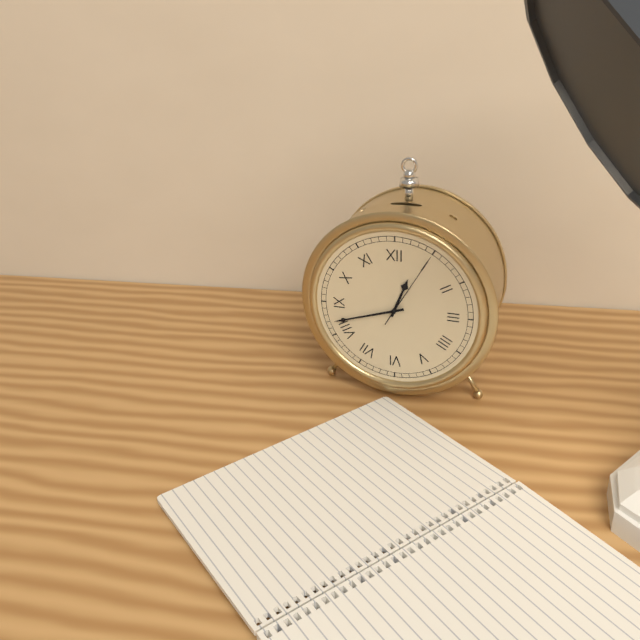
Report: 12:42:05
